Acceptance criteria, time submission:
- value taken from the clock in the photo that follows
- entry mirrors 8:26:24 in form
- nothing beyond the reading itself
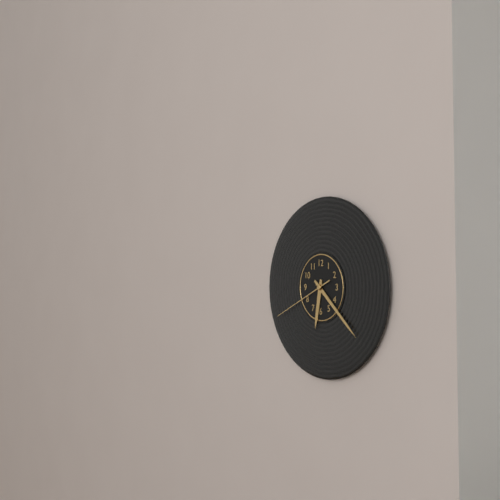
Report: 6:22:41
